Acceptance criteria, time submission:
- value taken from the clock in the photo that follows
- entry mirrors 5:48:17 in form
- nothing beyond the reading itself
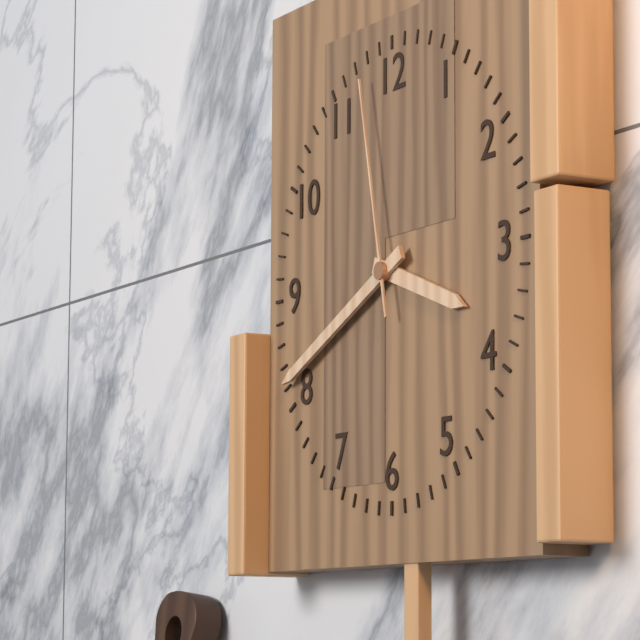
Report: 3:41:58
